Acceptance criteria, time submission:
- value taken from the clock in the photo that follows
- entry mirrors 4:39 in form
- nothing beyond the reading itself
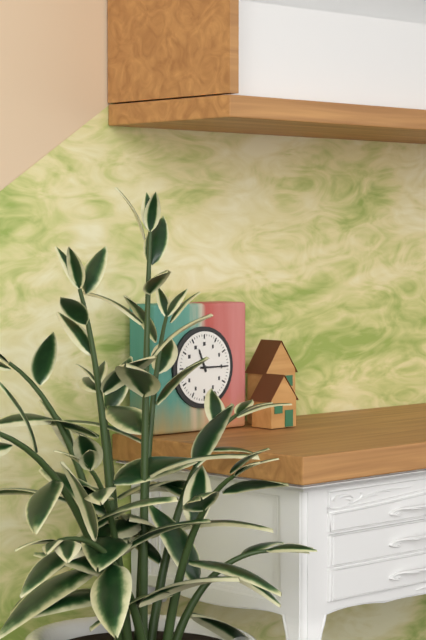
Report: 11:15
